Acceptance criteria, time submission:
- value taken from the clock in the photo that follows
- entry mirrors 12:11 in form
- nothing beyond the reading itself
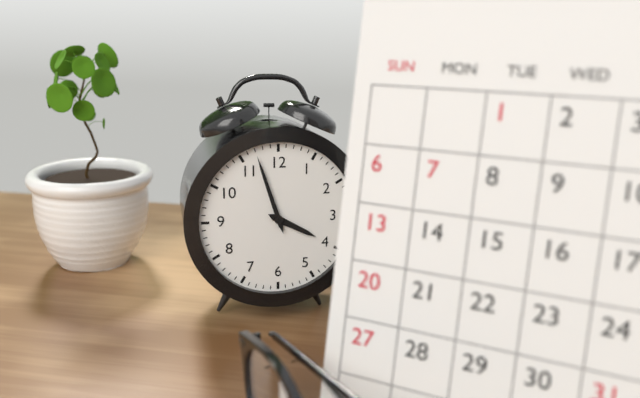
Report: 3:57
